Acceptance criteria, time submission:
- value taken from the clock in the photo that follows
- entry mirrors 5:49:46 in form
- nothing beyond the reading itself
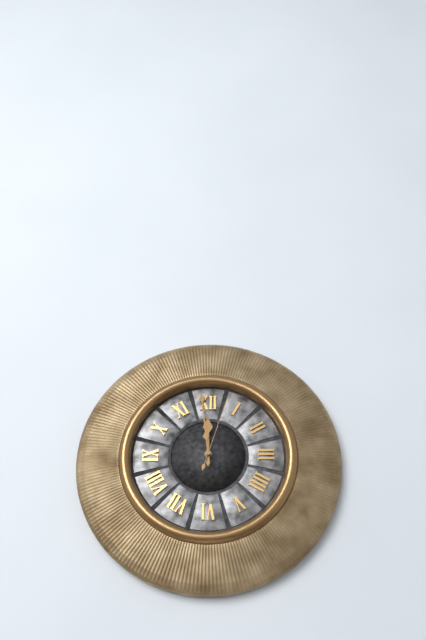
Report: 11:59:03
